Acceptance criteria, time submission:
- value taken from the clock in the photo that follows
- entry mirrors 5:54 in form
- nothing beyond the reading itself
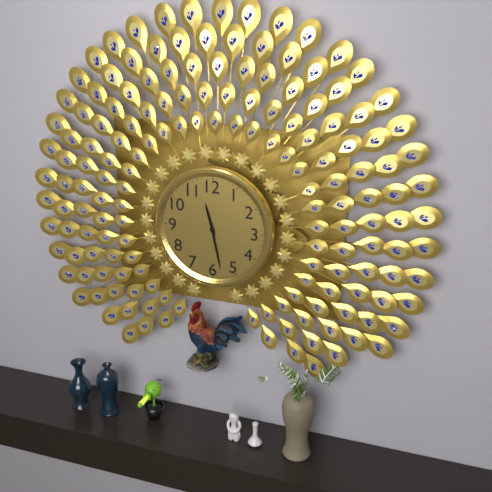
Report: 11:28
